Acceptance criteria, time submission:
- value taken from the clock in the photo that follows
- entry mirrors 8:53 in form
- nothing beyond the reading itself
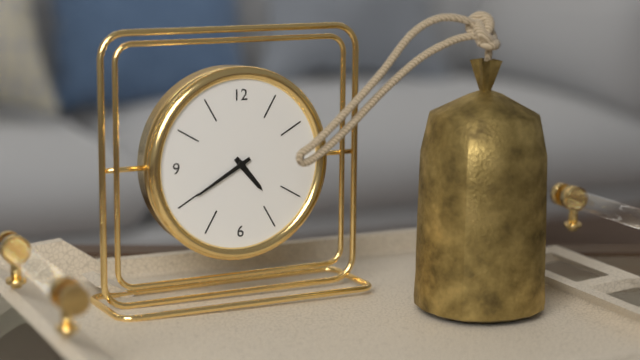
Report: 4:40
